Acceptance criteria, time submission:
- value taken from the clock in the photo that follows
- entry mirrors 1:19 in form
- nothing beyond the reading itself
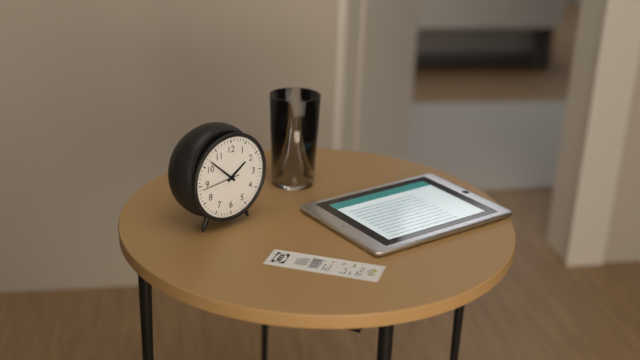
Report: 1:52
